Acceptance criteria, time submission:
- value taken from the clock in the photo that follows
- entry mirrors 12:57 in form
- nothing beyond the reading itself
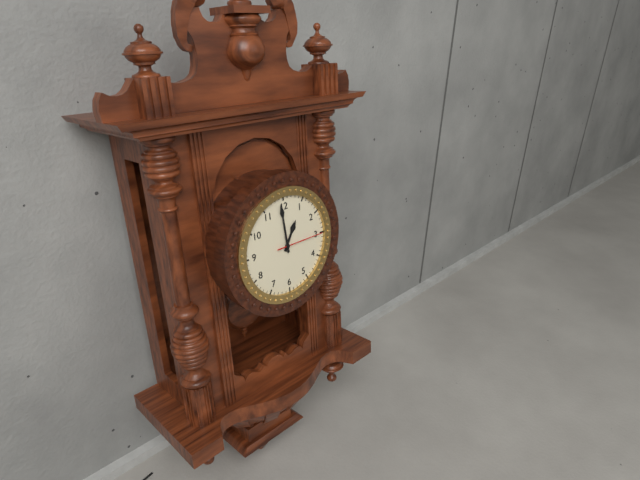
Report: 12:59
